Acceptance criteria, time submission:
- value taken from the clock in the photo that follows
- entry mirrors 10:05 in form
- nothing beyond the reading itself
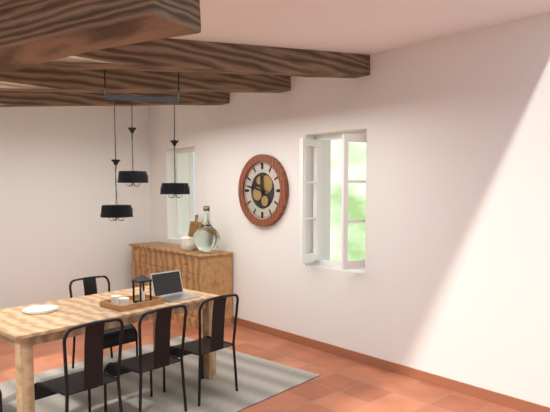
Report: 11:47
